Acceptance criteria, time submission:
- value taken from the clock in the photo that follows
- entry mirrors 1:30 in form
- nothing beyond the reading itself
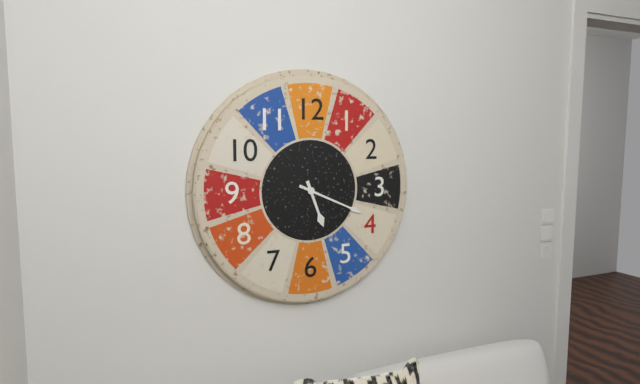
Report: 5:19
